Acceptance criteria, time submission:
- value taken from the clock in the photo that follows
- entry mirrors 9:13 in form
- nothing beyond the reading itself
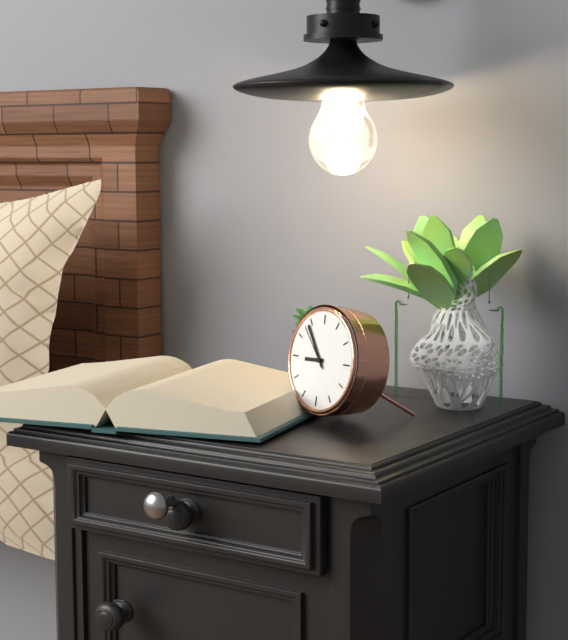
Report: 8:54
